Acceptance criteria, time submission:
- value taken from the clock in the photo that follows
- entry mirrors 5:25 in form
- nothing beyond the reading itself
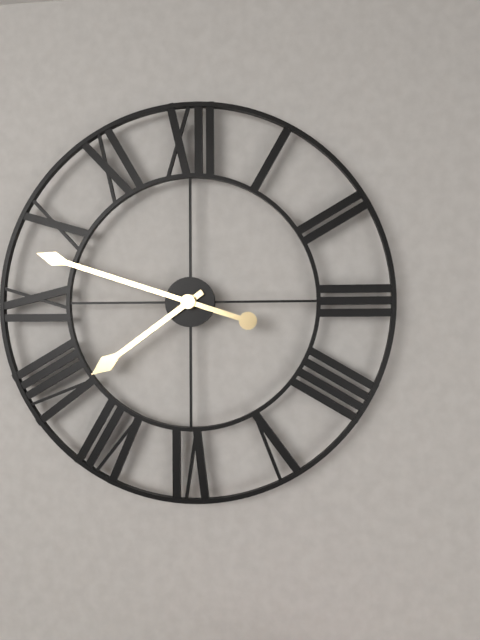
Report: 7:48
